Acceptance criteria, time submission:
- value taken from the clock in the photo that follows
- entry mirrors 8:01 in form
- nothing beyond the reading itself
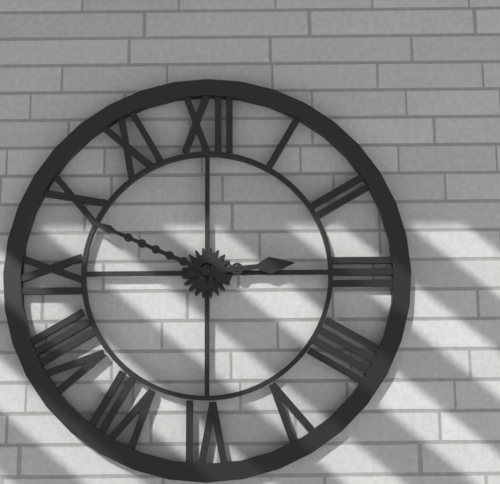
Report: 2:49
